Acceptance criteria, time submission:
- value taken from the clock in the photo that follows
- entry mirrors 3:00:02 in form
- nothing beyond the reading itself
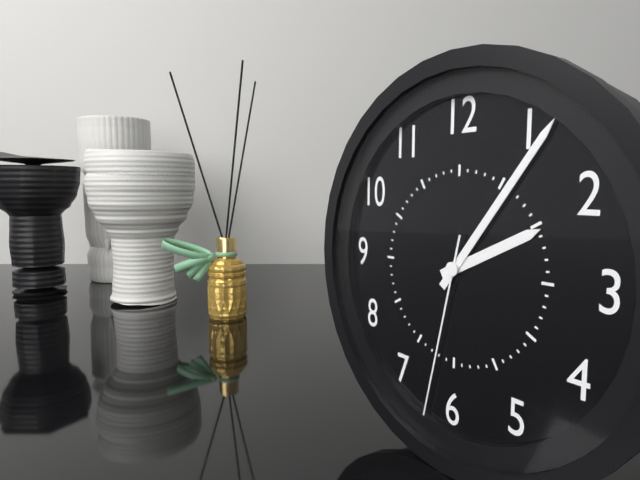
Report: 2:06:32
